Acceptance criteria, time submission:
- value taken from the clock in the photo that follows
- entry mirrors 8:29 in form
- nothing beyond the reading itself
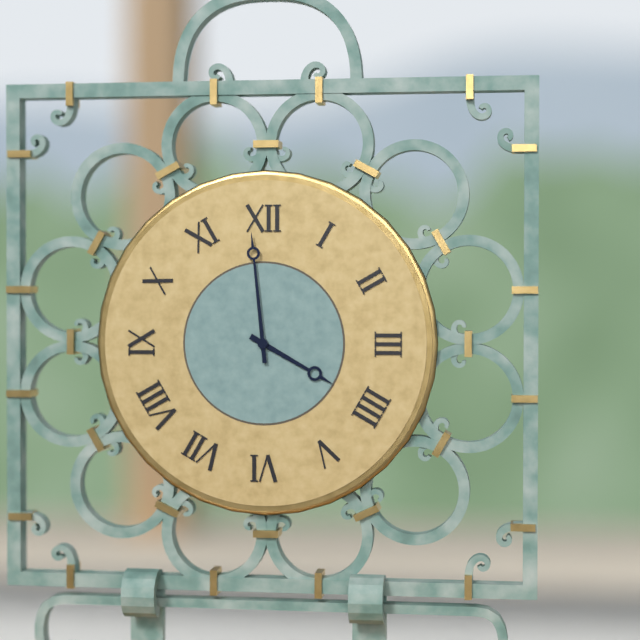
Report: 3:59
